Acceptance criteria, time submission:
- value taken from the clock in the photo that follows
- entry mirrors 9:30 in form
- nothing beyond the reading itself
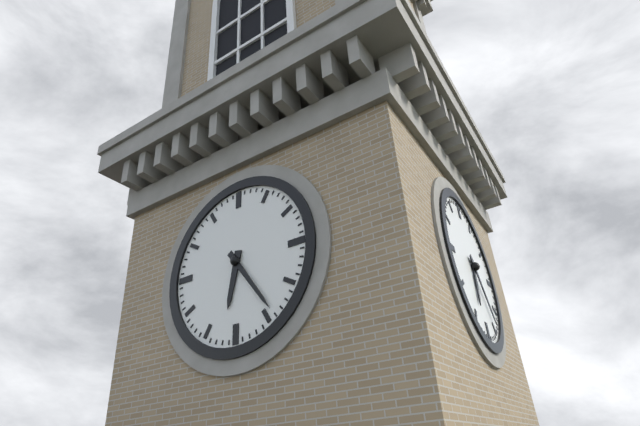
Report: 6:24
